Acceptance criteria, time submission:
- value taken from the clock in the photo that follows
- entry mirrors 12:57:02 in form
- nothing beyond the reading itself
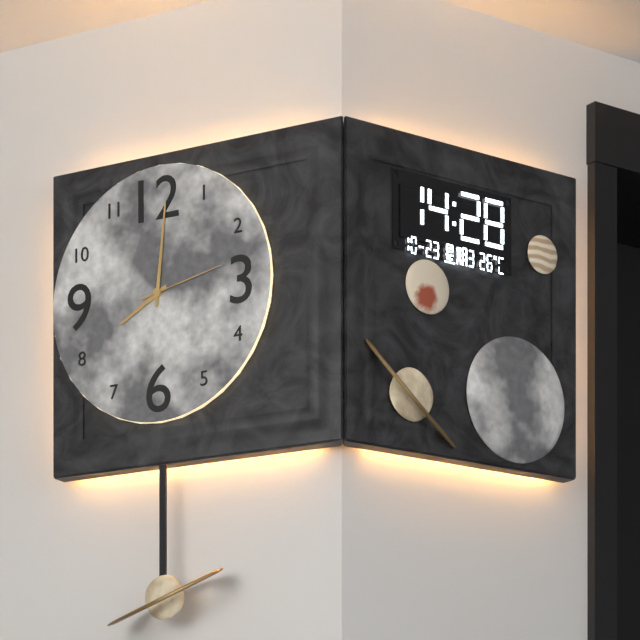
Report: 8:01:13
